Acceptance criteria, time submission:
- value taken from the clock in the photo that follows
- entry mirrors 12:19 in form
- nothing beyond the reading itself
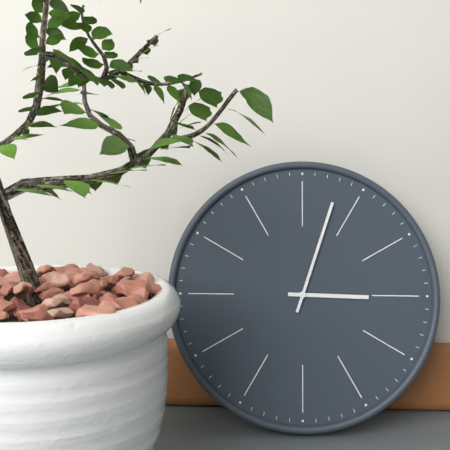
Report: 3:03
